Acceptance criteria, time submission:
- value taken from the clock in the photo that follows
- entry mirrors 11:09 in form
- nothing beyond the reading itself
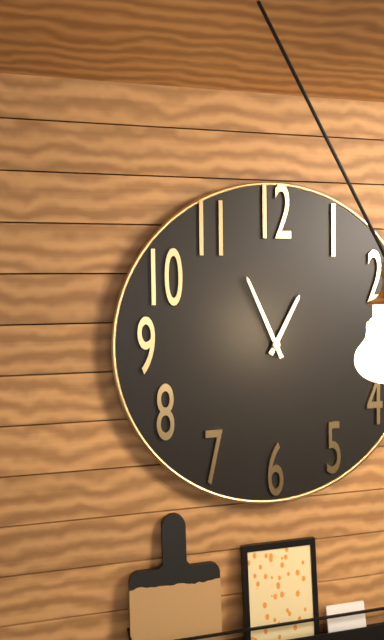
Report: 12:56
